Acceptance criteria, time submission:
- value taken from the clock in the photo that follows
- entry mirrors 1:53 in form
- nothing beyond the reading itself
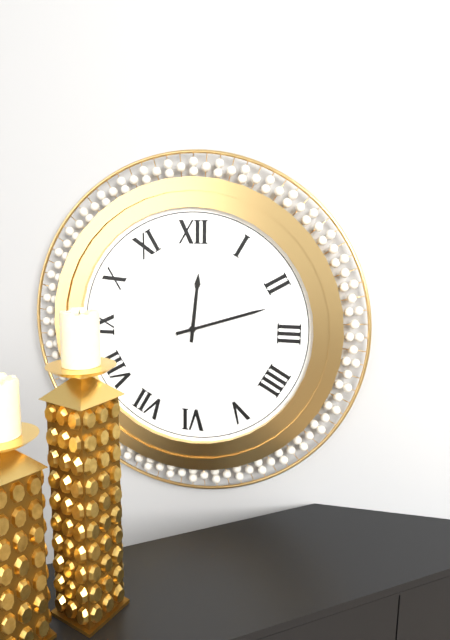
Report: 12:12
